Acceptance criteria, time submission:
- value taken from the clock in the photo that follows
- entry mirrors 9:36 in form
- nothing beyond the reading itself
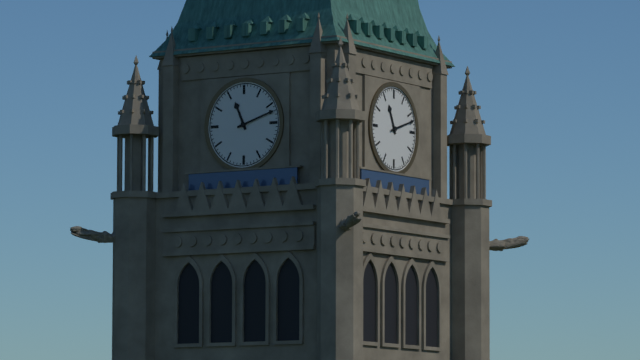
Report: 11:12
